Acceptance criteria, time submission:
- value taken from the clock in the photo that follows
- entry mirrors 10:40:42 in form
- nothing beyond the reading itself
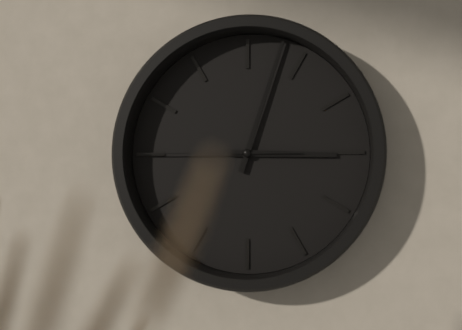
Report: 3:03:45
